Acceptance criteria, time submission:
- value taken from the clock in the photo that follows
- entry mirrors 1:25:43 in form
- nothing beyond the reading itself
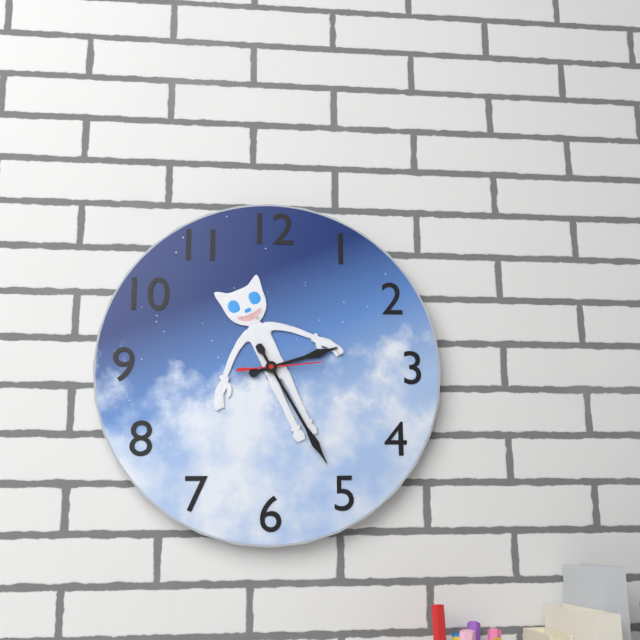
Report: 2:25:14
